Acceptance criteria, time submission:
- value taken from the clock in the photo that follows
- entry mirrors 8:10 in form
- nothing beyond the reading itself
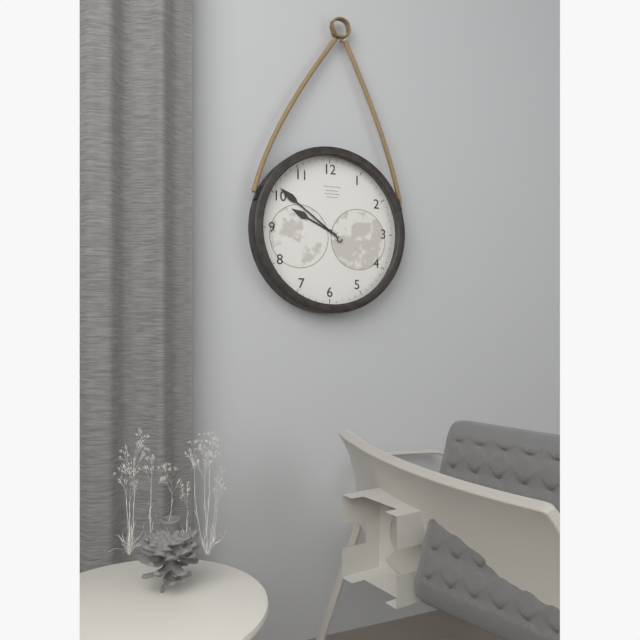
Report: 9:51
